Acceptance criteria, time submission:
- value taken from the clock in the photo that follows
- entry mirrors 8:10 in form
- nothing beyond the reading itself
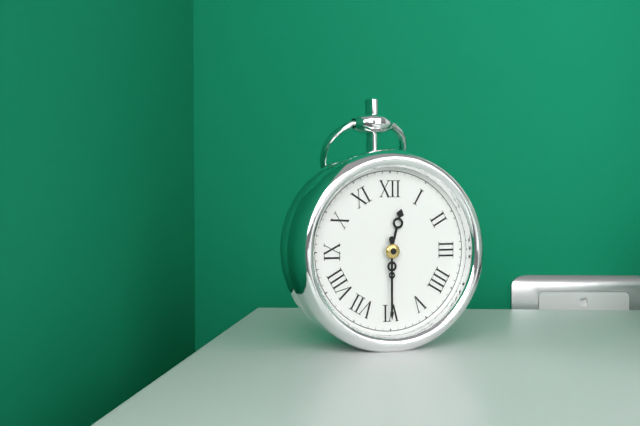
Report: 12:30
